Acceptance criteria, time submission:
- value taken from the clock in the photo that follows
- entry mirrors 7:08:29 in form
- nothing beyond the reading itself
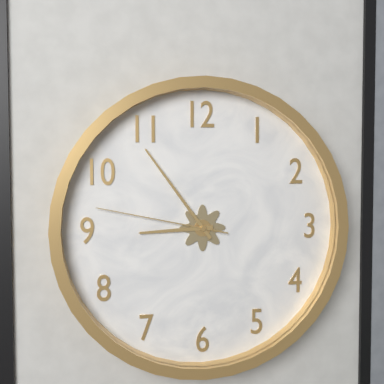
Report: 8:54:47
